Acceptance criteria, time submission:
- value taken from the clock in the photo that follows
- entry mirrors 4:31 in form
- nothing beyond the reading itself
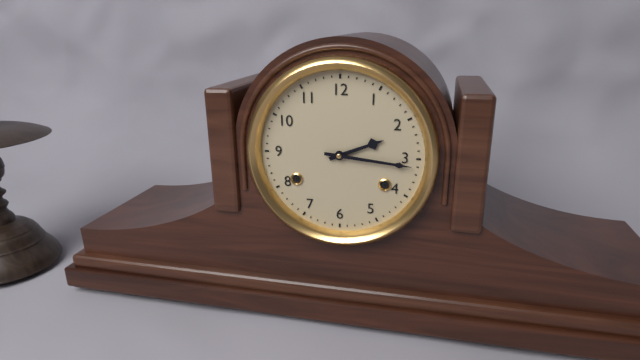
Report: 2:16
